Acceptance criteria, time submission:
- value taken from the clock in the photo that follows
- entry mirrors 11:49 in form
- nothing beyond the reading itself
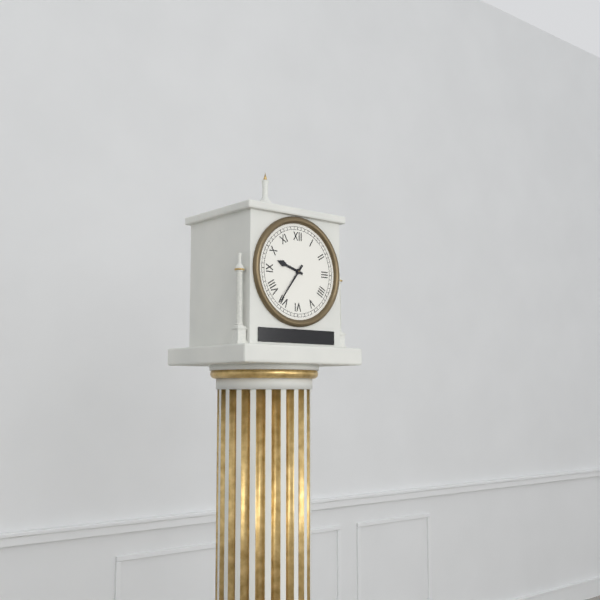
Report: 9:36
